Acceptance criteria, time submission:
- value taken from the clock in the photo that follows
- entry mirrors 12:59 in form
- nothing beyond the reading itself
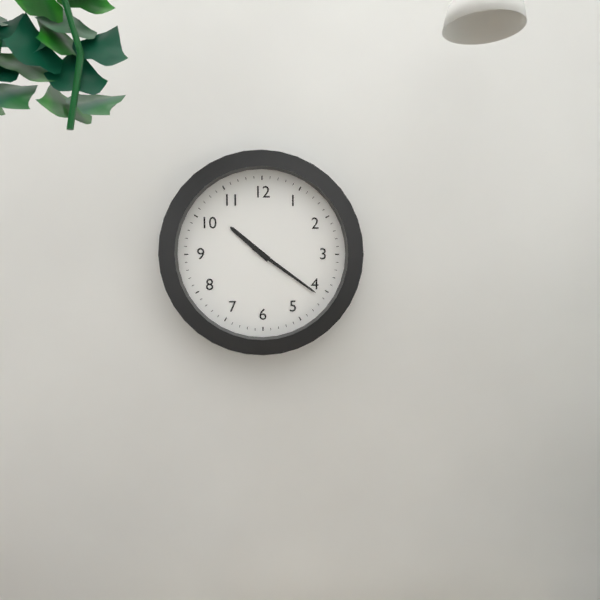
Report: 10:21
